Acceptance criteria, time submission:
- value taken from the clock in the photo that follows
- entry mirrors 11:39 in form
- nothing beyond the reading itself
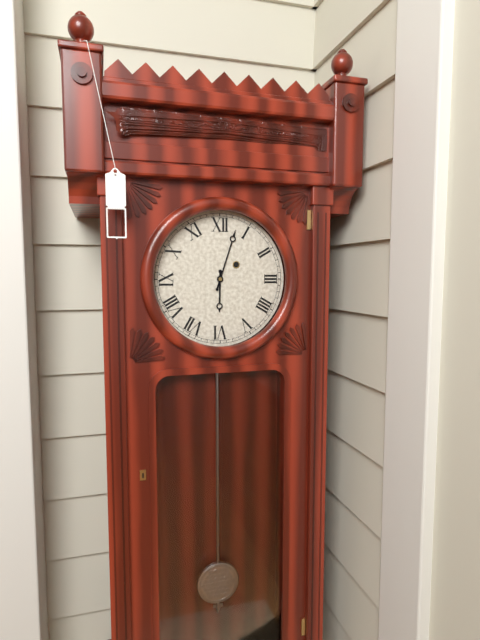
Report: 6:03
